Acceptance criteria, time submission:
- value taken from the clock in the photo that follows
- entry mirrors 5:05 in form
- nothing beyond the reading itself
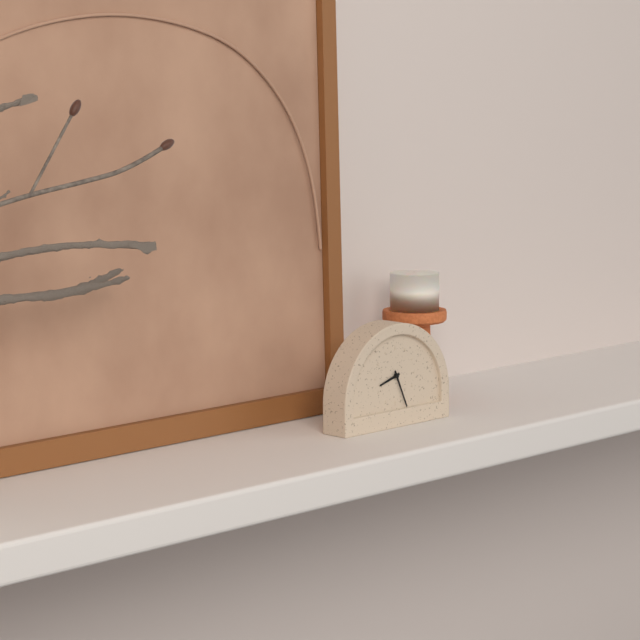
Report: 8:26
